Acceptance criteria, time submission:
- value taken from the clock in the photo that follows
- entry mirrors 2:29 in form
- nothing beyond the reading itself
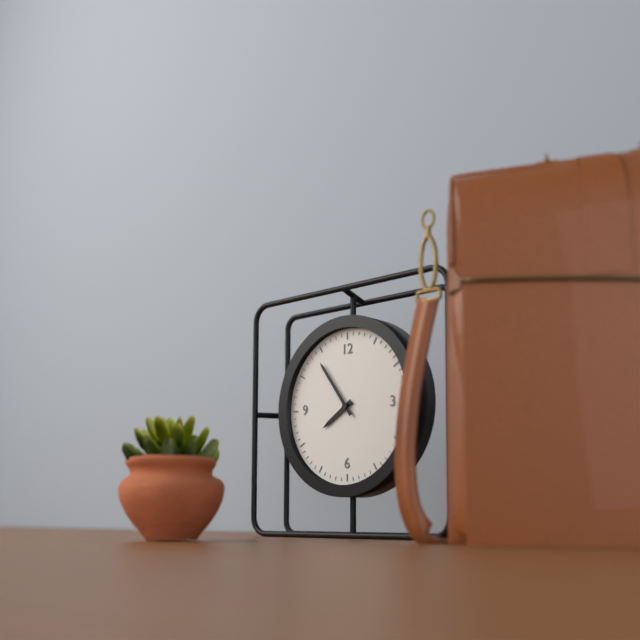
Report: 7:54
